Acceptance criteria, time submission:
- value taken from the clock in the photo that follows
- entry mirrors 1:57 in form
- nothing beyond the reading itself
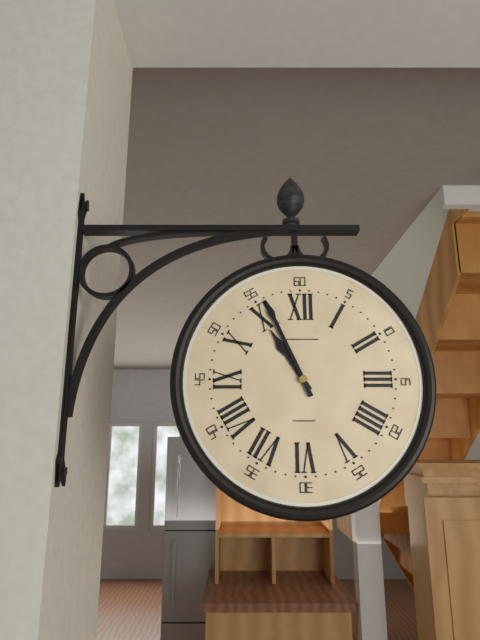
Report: 10:56
